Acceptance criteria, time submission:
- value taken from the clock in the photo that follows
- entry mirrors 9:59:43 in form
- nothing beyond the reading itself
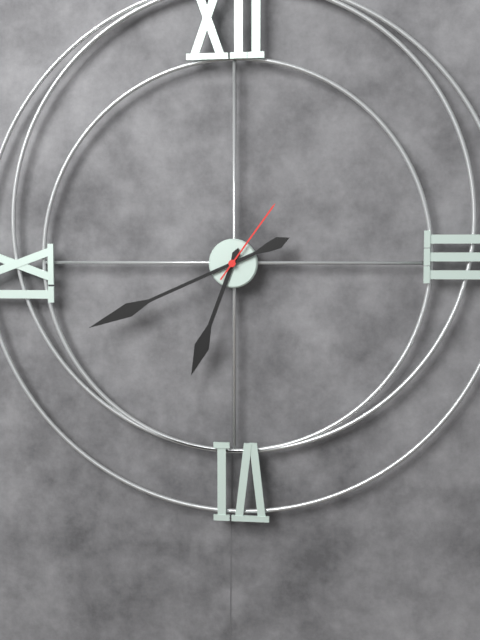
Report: 6:41:06
